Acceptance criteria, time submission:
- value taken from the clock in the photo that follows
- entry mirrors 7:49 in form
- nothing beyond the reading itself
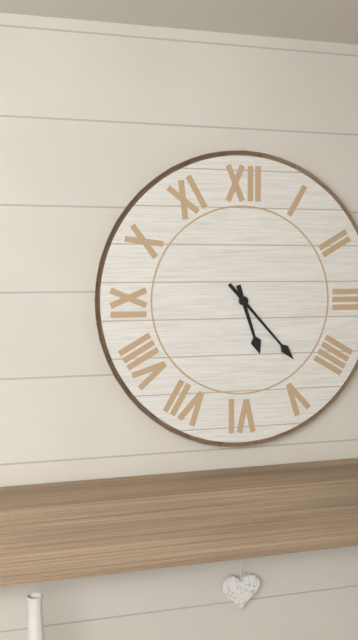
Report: 5:23
